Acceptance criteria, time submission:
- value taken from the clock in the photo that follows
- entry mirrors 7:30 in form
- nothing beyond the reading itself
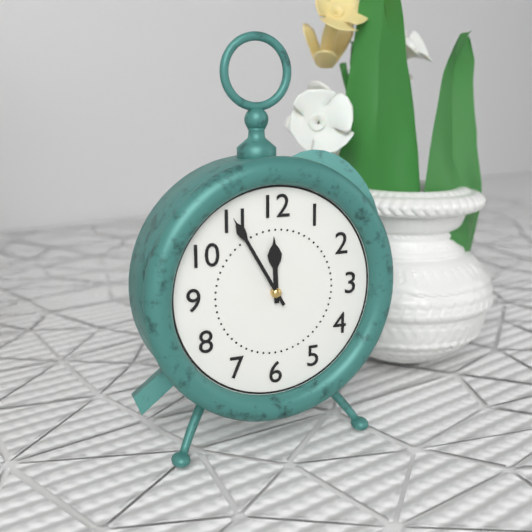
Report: 11:55
